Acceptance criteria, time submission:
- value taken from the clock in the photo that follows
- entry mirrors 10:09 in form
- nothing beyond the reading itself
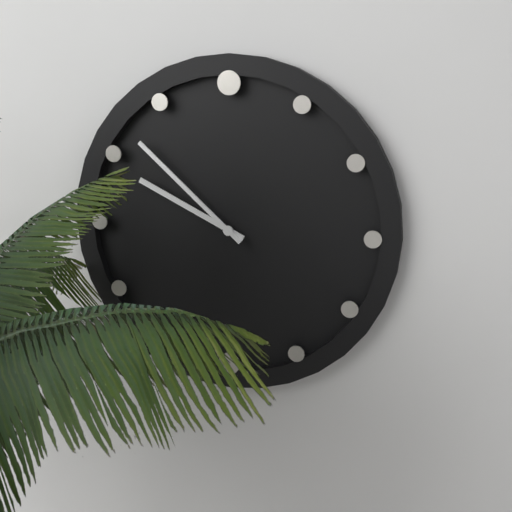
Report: 9:52
